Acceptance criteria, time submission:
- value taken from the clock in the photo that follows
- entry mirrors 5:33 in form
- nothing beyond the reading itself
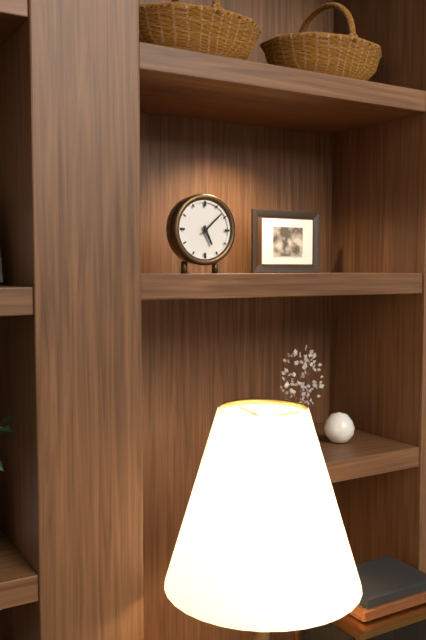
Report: 5:08
